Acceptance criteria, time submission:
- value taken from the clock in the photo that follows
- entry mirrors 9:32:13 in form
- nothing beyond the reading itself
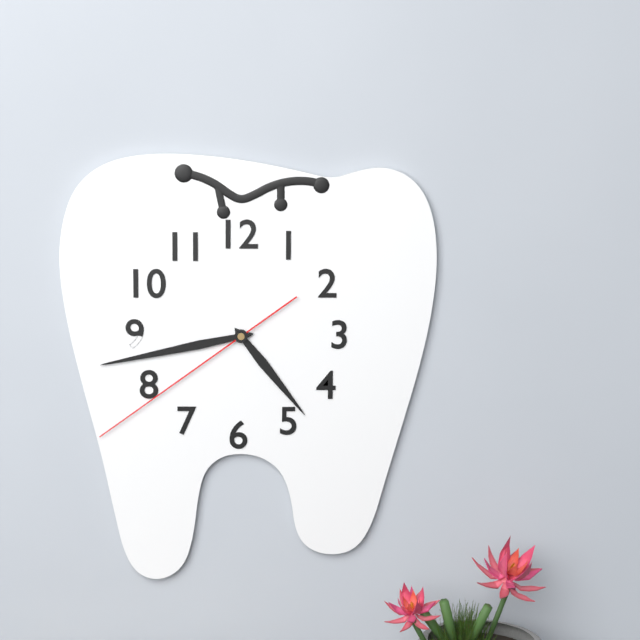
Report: 4:43:39
